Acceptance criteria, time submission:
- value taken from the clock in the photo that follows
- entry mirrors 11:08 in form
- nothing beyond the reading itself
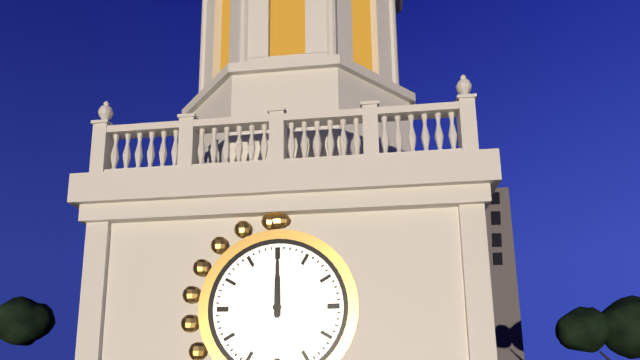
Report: 12:00
